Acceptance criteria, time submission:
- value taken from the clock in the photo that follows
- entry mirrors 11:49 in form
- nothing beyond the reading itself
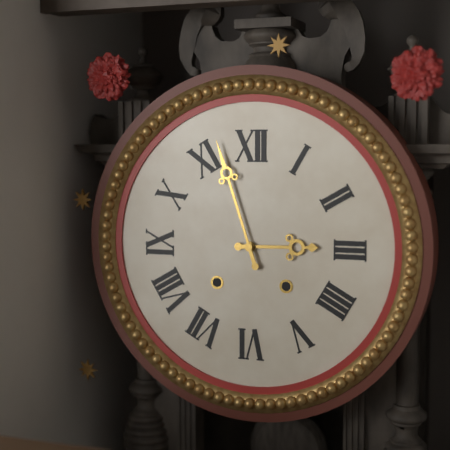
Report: 2:57
